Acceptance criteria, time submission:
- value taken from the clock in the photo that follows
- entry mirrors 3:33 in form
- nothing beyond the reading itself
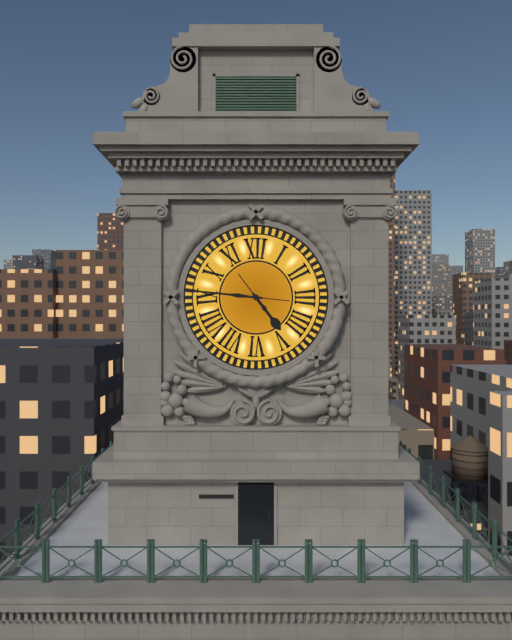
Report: 4:46
